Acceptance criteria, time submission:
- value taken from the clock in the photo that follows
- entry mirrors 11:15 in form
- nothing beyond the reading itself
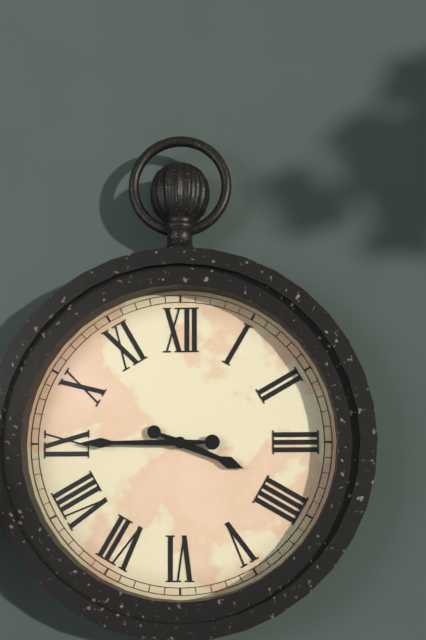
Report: 3:45
